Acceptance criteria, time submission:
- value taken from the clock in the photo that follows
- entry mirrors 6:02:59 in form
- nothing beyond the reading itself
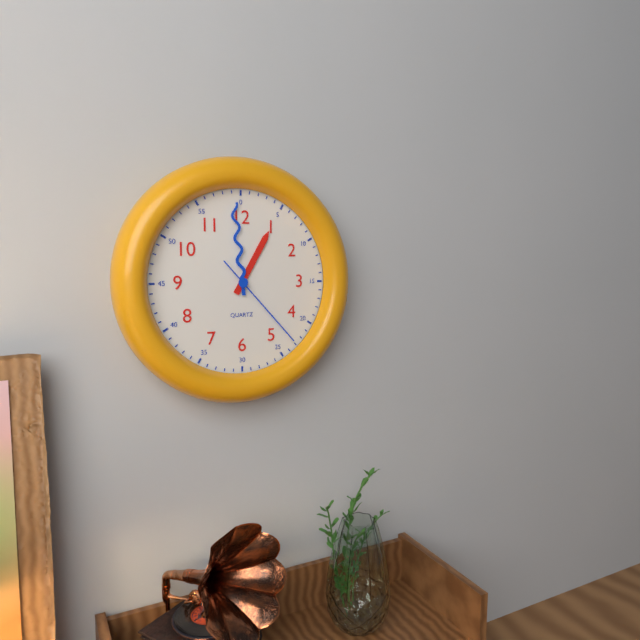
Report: 12:59:23
